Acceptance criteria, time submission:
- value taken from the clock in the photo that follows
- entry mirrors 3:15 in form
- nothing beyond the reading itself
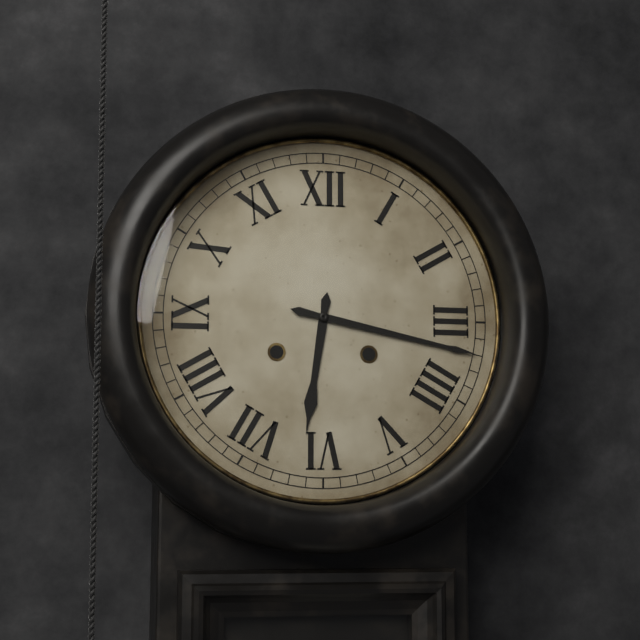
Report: 6:17
